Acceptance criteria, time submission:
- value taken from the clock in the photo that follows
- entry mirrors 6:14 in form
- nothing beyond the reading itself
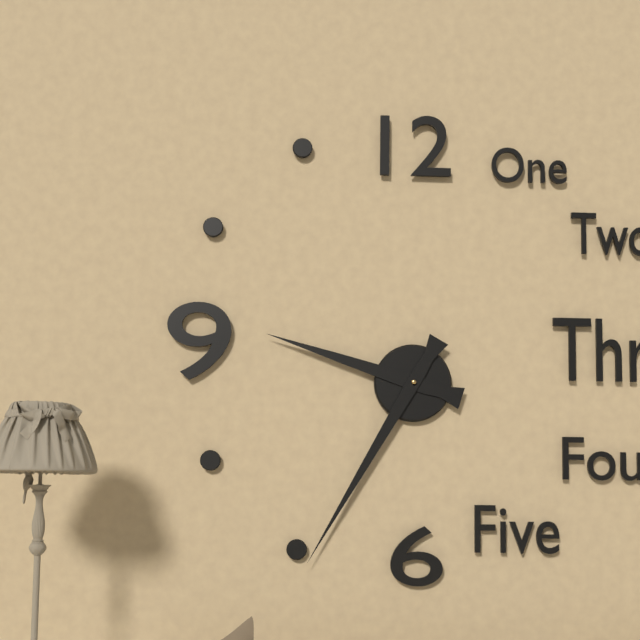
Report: 9:35
